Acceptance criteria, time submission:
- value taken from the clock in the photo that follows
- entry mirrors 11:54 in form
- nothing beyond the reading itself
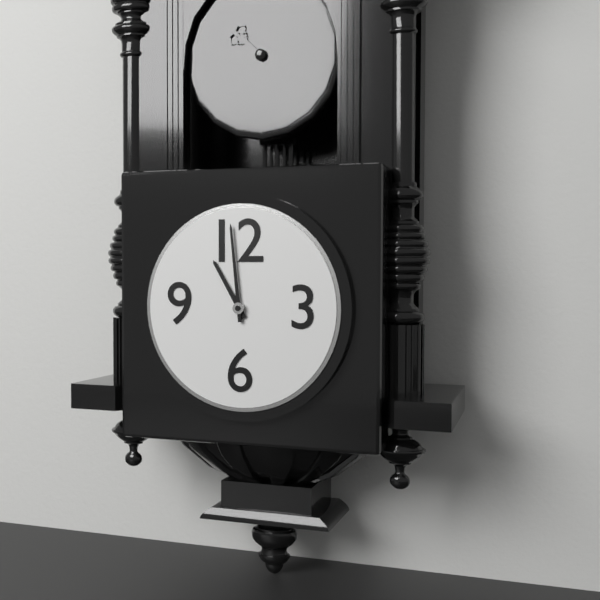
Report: 10:59
